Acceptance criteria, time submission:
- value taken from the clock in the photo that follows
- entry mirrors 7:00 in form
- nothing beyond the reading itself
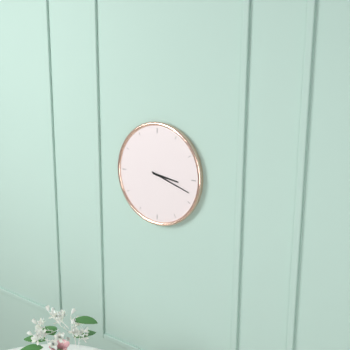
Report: 3:18
